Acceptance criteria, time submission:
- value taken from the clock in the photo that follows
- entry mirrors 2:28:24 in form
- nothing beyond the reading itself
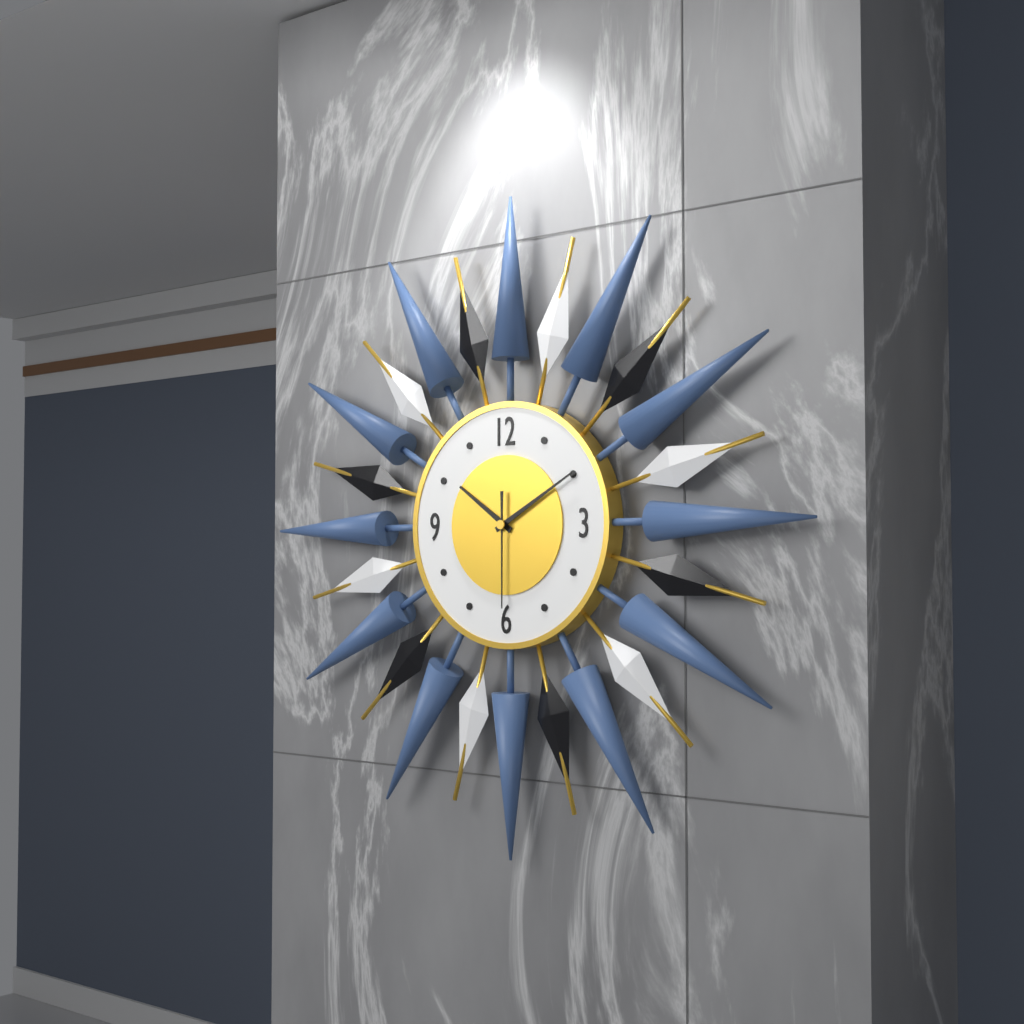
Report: 10:10:30
